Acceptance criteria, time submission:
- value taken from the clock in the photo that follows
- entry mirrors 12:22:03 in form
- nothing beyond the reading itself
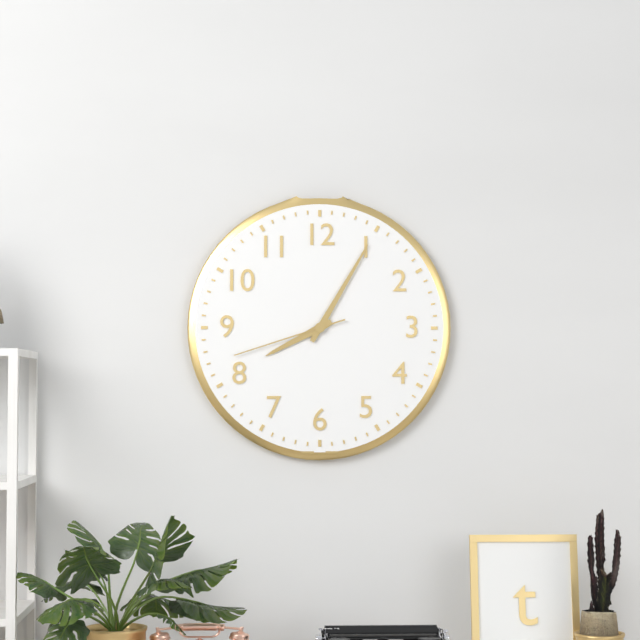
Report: 8:05:42
